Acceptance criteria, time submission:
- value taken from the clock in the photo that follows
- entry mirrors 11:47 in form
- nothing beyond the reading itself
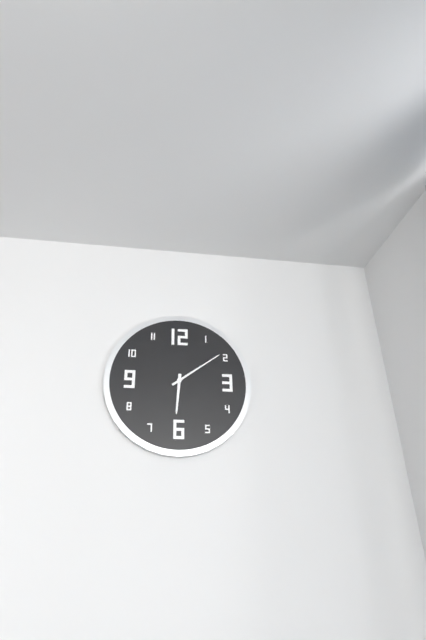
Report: 6:09
